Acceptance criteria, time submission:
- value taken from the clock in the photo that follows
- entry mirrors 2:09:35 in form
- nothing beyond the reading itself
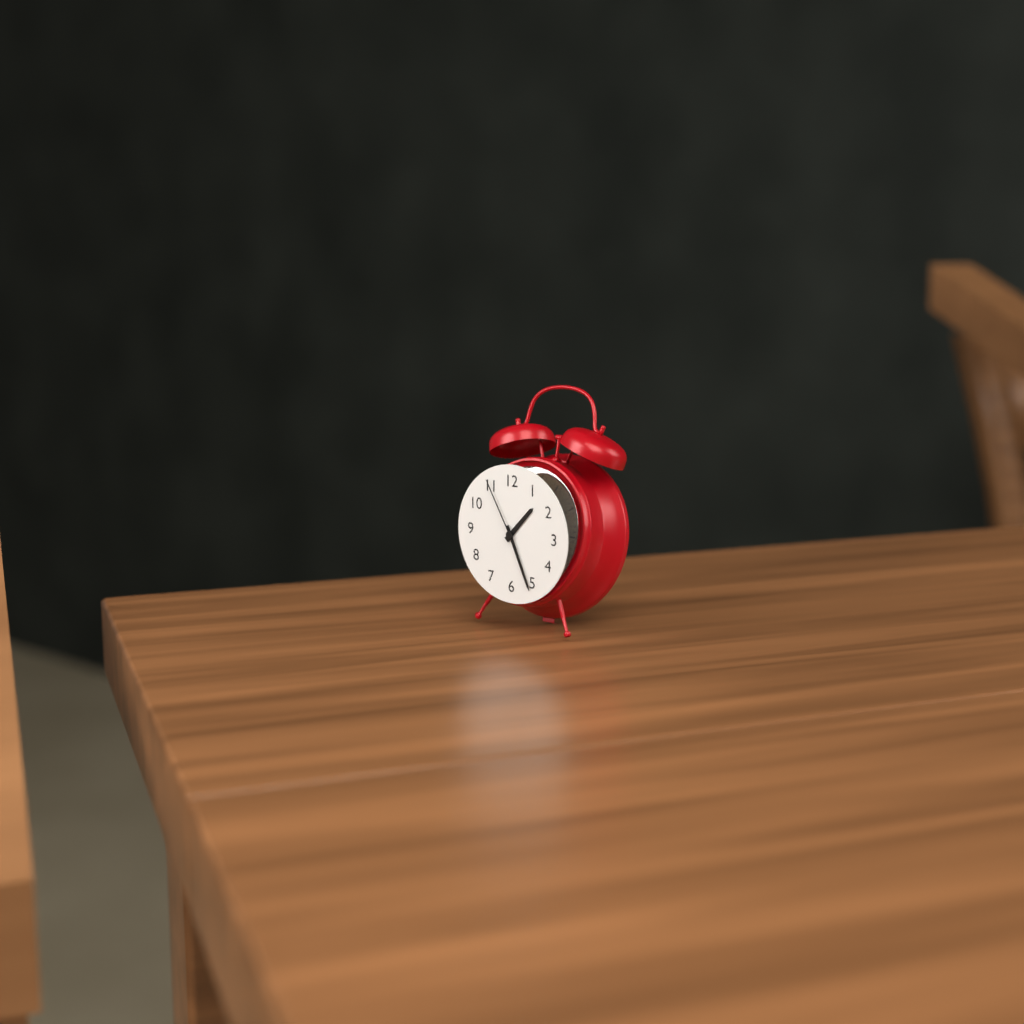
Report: 1:26:55
